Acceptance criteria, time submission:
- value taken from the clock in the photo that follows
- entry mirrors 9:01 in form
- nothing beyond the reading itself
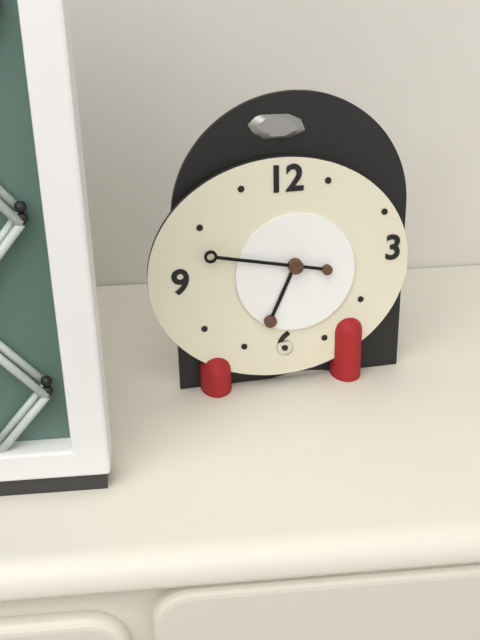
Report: 6:47
